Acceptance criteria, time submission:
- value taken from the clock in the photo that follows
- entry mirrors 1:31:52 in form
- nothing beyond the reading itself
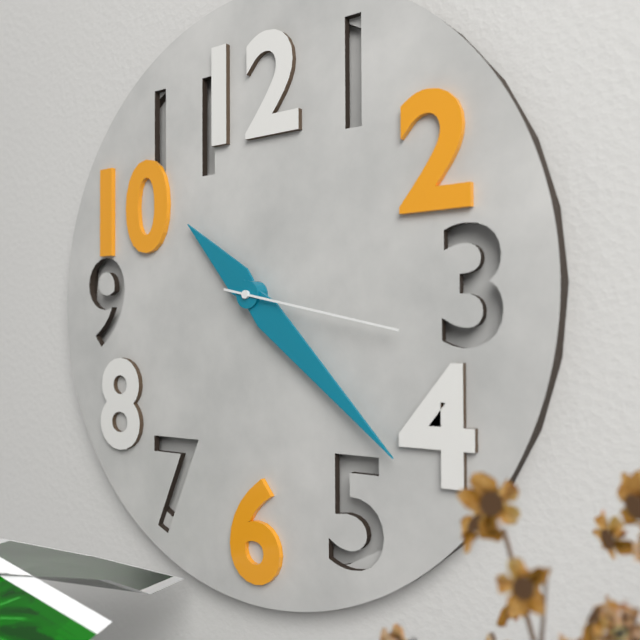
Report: 10:22:17
